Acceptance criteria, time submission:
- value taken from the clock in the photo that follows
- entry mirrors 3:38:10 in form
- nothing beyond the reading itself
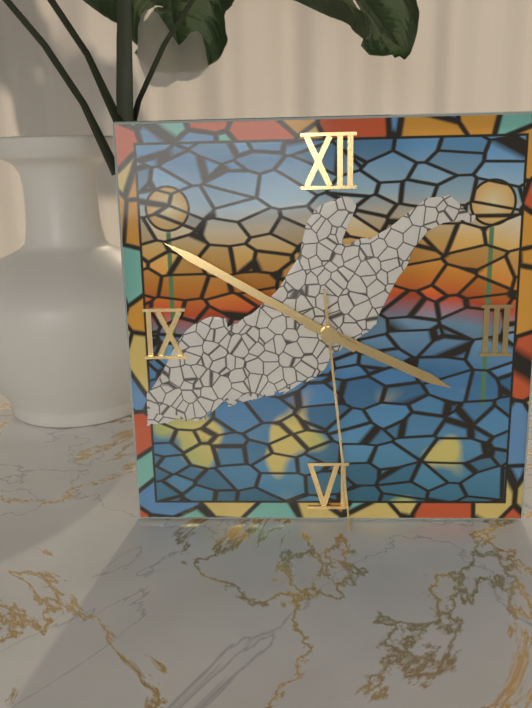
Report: 3:50:29
